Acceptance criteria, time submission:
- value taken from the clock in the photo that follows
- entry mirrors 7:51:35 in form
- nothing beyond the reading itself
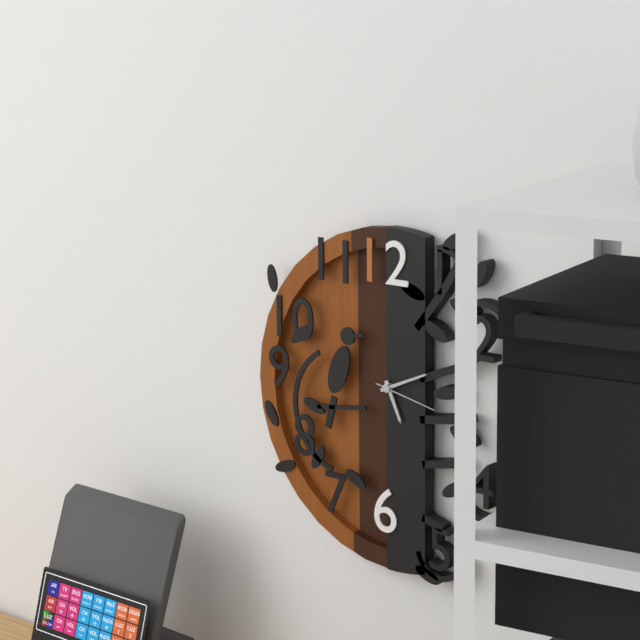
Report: 5:11:17
